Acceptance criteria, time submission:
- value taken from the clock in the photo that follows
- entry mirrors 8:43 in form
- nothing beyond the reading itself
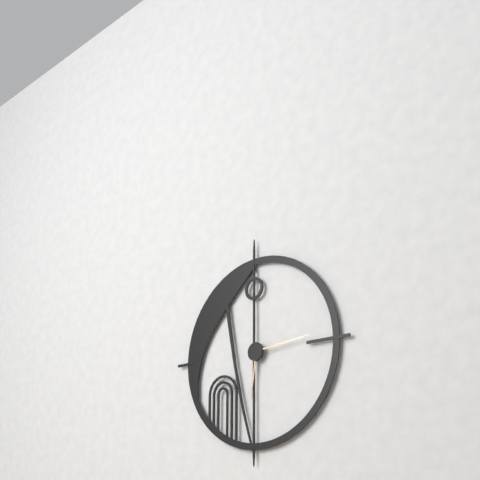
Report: 6:14
